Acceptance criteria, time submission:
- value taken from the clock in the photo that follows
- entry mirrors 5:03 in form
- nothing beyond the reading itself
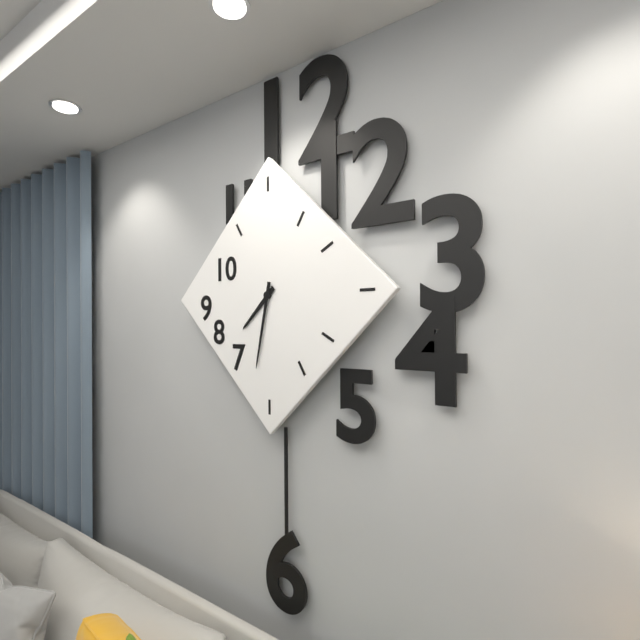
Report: 7:32
